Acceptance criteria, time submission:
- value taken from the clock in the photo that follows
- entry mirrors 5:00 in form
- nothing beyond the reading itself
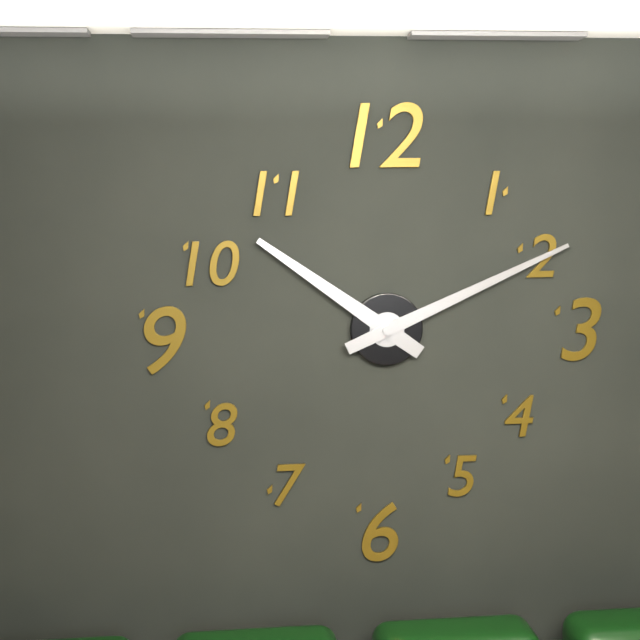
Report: 10:11
